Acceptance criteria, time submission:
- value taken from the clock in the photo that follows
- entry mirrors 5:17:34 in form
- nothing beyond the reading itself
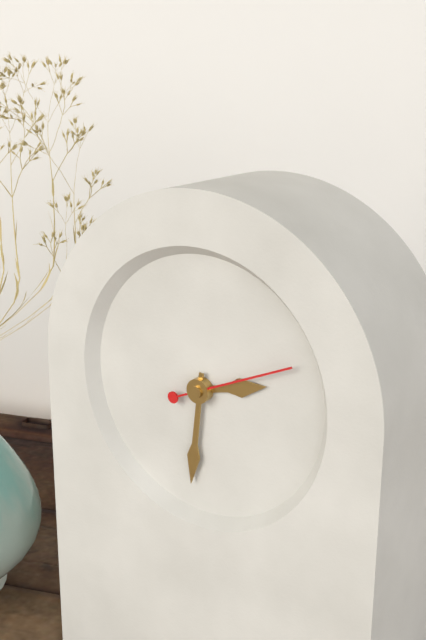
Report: 2:31:11
